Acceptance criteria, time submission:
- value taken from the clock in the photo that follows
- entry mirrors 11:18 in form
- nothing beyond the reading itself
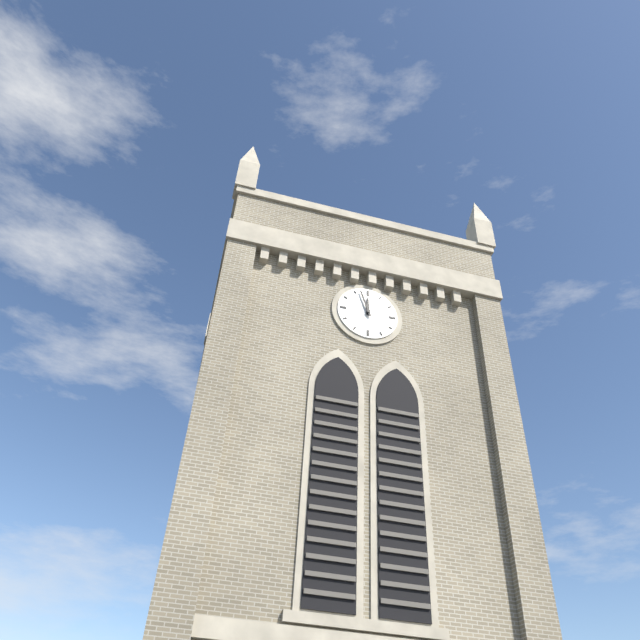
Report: 11:57
